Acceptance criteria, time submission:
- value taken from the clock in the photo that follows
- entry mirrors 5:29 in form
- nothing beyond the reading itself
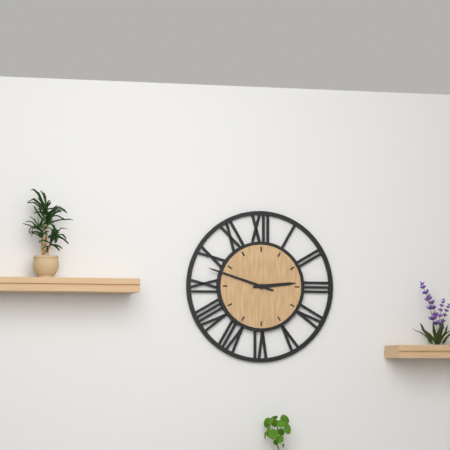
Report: 2:48
